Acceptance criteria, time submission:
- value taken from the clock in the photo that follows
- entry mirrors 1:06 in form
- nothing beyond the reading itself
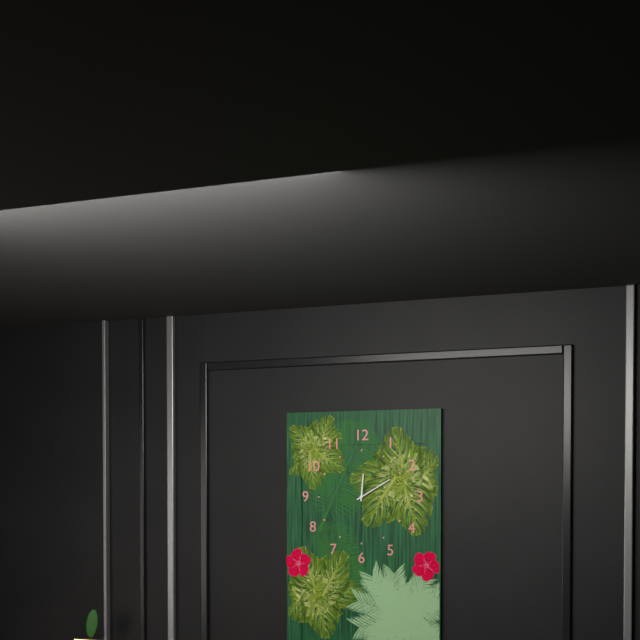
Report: 12:10
